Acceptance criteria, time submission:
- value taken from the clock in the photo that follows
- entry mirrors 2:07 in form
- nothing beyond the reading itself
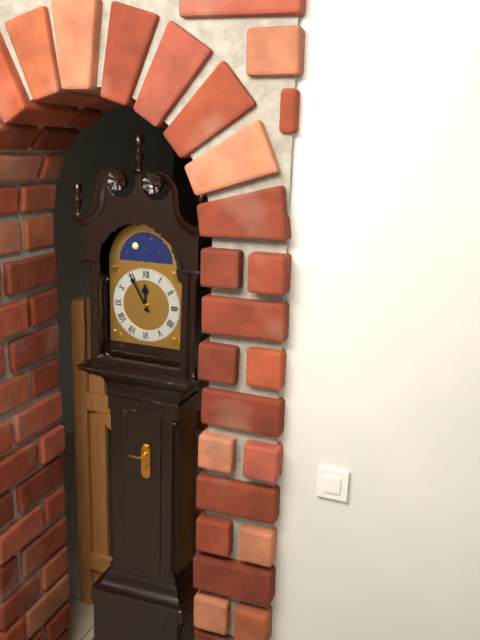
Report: 11:55
